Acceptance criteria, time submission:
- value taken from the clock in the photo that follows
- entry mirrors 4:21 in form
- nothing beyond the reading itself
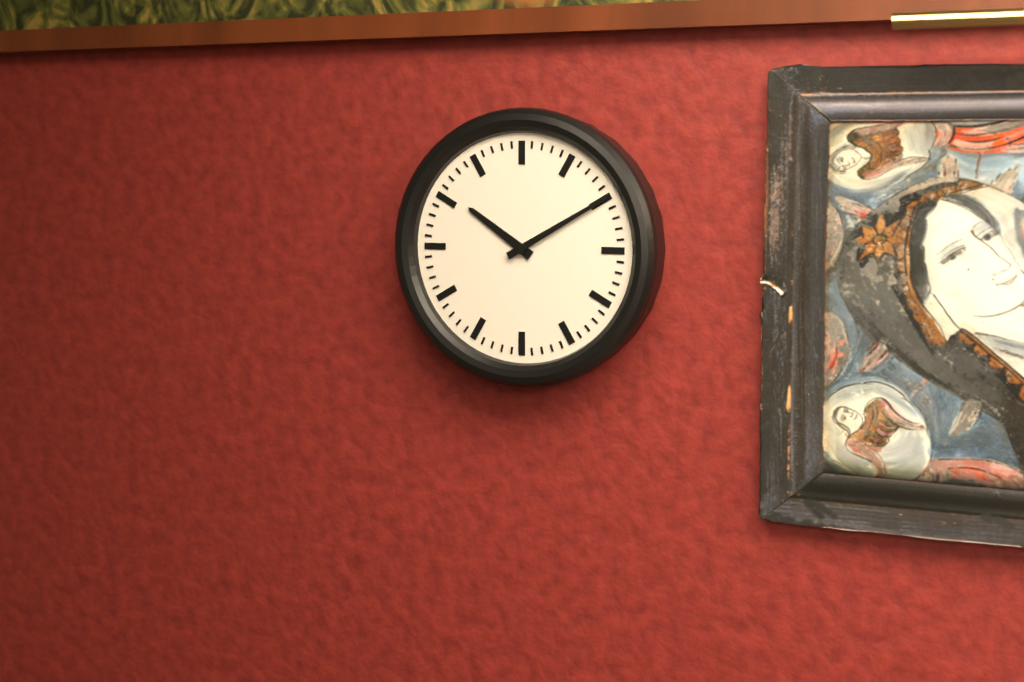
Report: 10:10
